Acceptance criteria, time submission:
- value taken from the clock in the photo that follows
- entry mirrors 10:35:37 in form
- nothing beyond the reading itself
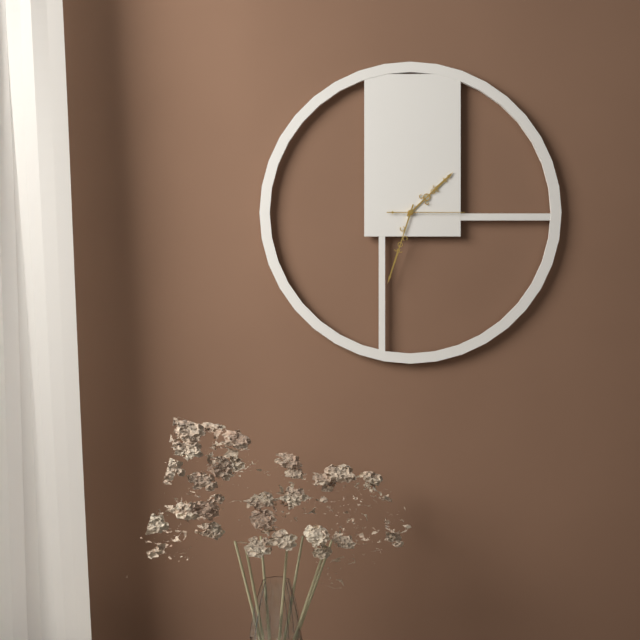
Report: 1:33:15
